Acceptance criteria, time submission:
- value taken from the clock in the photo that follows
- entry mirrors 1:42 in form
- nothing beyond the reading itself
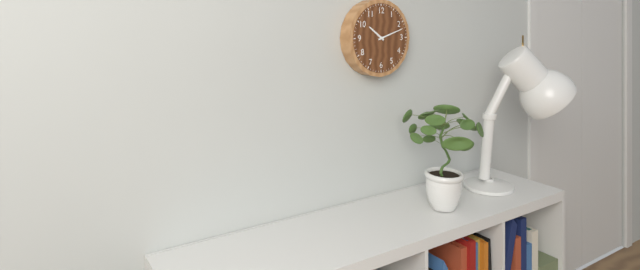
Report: 10:12
